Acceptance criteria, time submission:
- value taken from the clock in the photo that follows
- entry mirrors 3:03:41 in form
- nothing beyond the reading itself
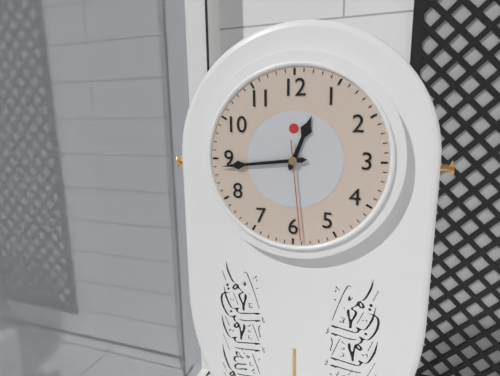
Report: 12:44:29
